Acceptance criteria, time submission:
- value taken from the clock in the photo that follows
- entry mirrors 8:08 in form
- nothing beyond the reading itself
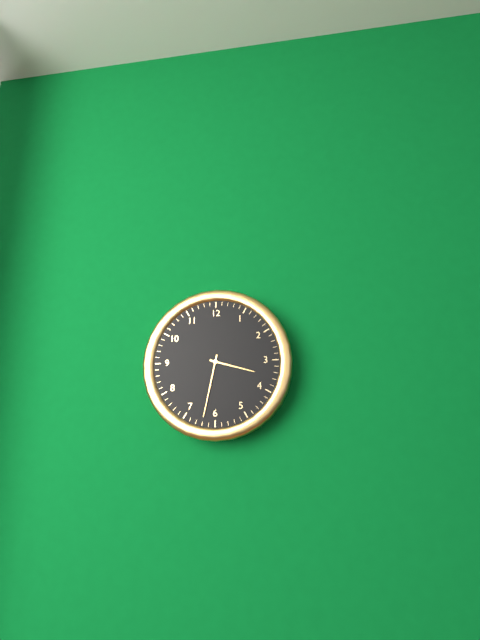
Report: 3:32
